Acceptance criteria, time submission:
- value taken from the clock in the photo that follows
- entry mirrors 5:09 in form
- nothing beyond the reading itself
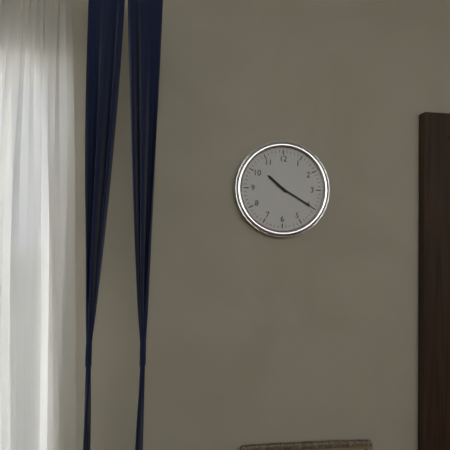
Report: 10:20
